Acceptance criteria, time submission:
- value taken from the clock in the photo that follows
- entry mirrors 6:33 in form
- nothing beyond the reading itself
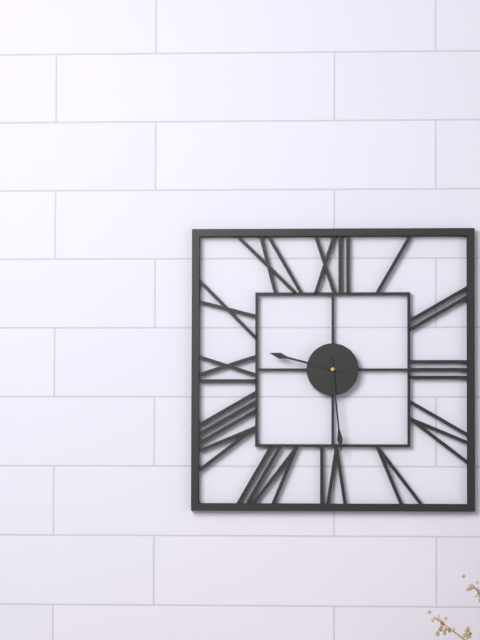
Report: 9:29
